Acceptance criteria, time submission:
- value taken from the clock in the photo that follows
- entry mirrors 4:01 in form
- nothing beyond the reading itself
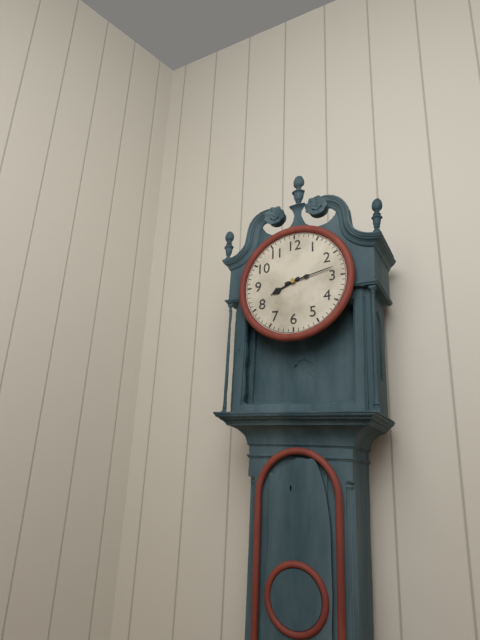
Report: 8:13
